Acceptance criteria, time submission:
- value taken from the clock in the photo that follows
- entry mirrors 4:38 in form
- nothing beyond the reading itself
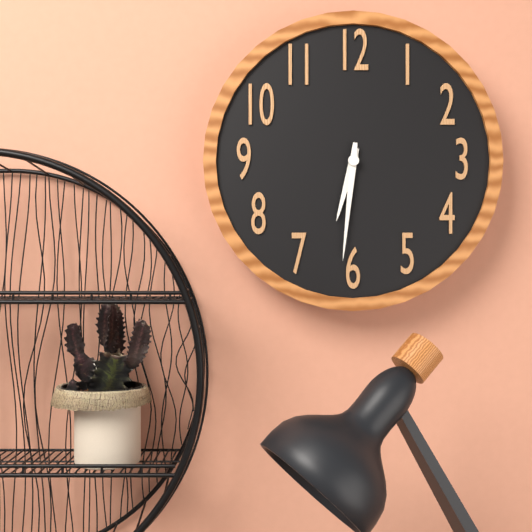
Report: 6:31
